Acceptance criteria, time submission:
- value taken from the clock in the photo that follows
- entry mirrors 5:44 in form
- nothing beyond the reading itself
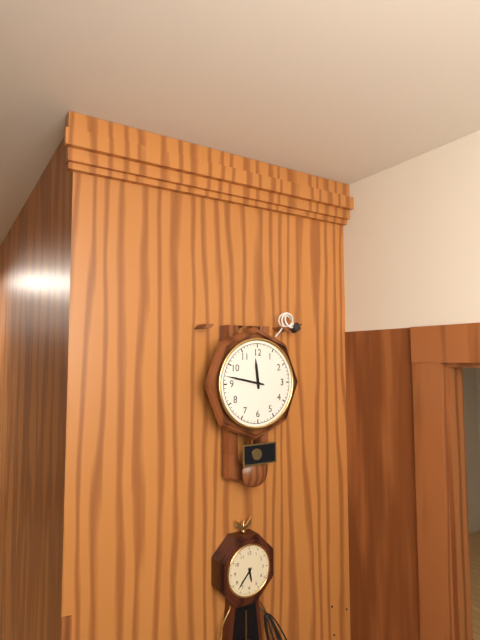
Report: 11:47
